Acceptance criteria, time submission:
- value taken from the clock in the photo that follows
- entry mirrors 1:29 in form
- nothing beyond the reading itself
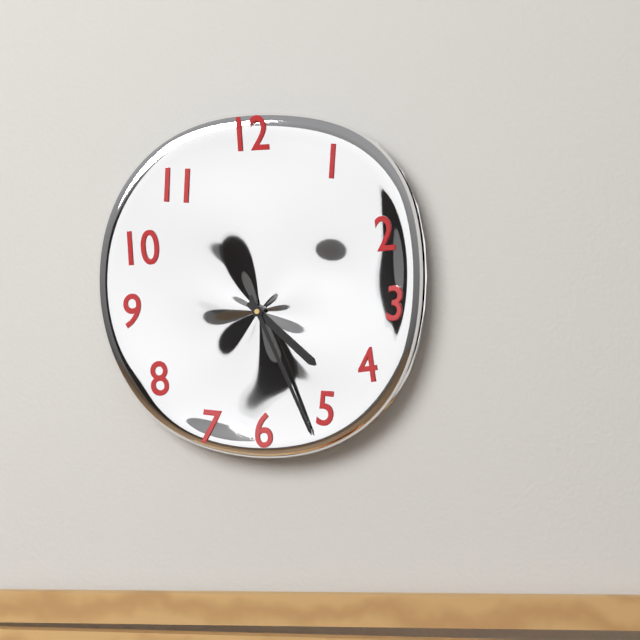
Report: 4:26
